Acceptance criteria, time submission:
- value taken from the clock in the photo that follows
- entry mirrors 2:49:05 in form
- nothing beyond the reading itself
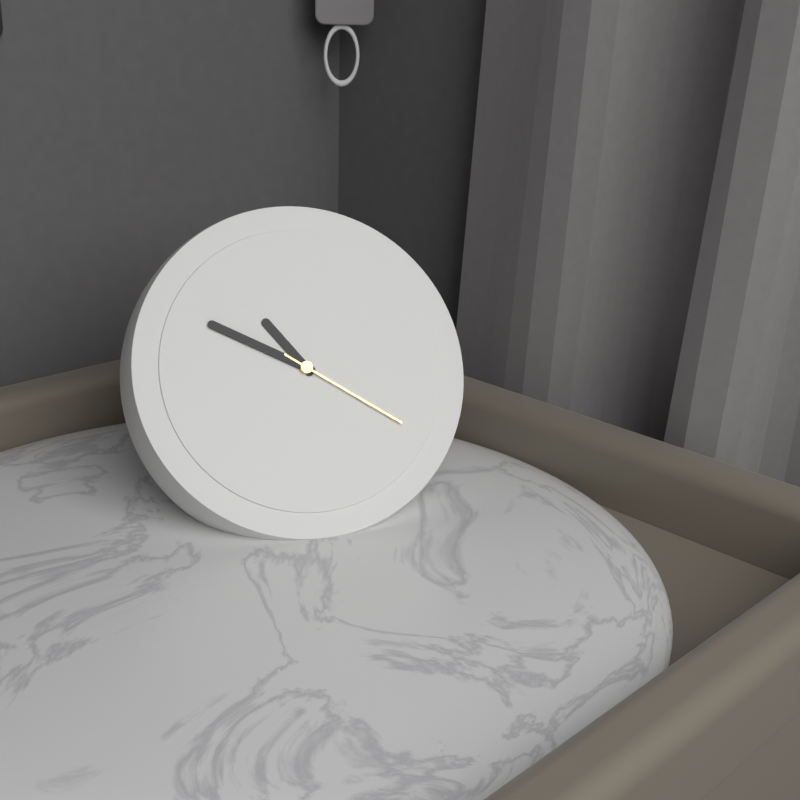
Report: 10:50:21
